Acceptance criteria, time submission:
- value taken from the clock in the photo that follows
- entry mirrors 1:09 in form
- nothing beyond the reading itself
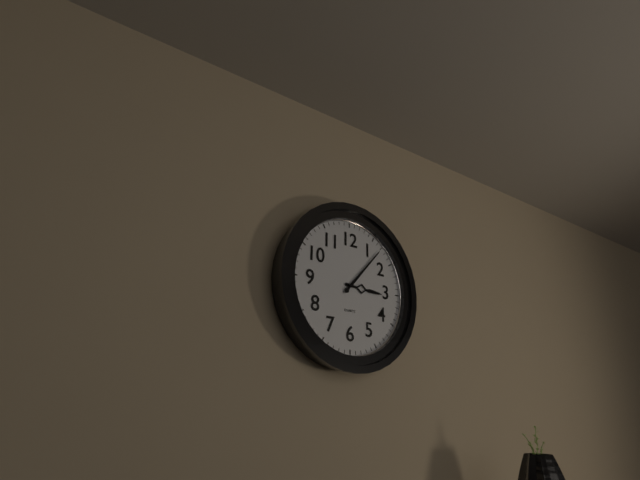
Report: 3:07
